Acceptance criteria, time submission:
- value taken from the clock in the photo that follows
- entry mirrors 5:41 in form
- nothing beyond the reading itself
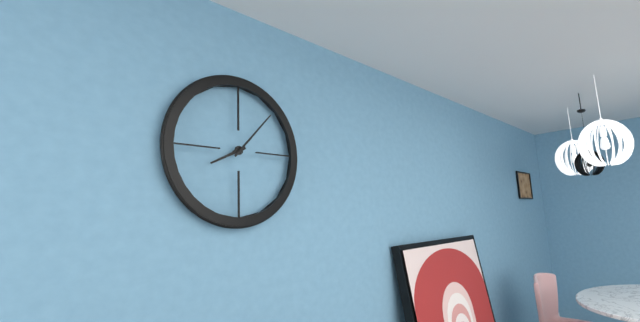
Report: 8:07
